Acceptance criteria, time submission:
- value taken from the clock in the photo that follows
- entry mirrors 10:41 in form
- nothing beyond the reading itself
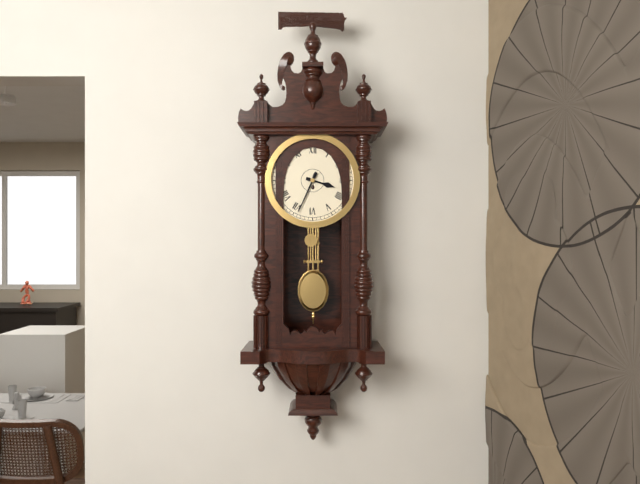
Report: 3:34
